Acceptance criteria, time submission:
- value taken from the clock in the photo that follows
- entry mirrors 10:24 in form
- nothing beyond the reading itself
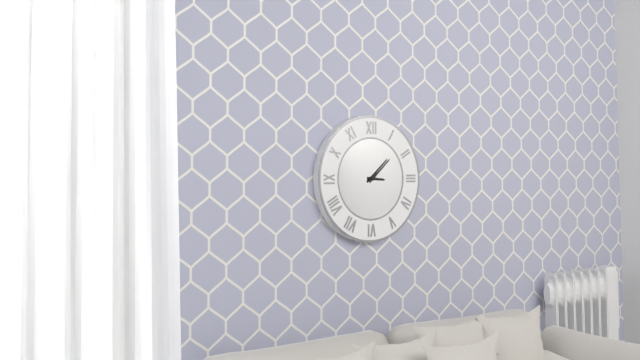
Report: 3:08
